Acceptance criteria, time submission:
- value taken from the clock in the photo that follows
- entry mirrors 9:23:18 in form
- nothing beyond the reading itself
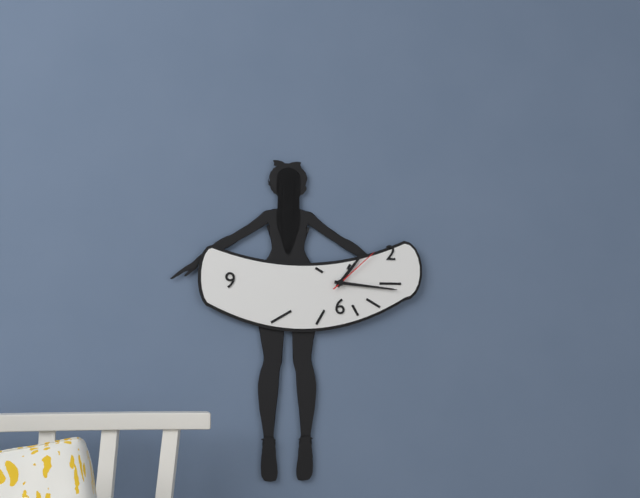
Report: 1:16:08
